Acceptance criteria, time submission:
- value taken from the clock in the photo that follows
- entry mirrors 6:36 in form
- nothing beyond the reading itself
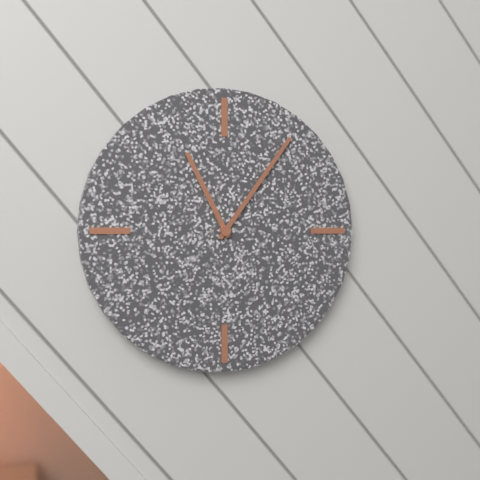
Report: 11:06
